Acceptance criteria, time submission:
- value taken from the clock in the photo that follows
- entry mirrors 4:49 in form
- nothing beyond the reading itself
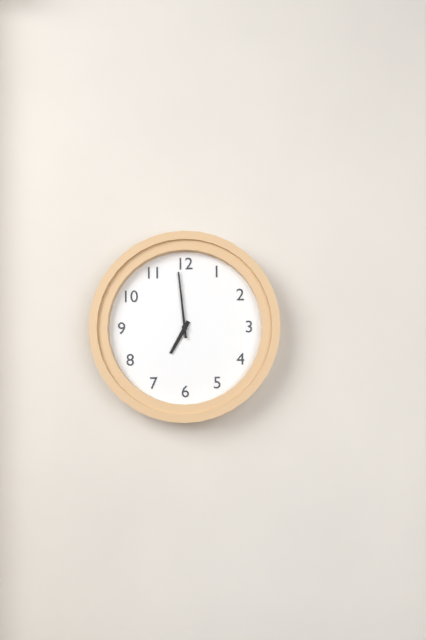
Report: 6:59
